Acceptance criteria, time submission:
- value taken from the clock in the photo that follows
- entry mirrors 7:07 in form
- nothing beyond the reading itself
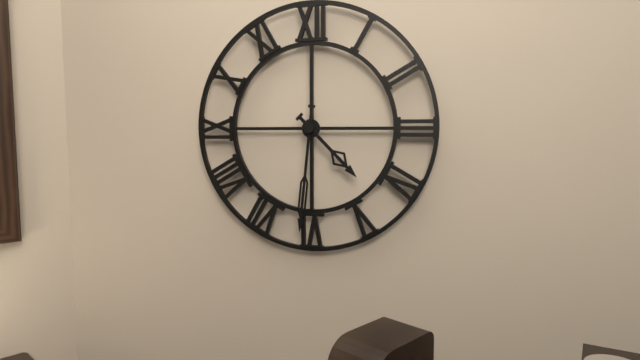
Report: 4:31
